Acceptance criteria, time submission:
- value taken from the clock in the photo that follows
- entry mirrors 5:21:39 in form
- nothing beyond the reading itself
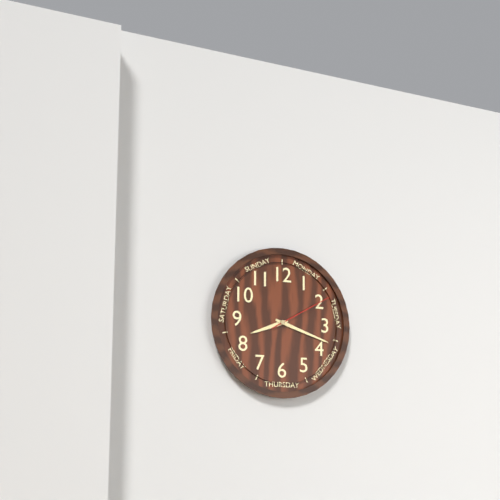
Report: 8:18:10
